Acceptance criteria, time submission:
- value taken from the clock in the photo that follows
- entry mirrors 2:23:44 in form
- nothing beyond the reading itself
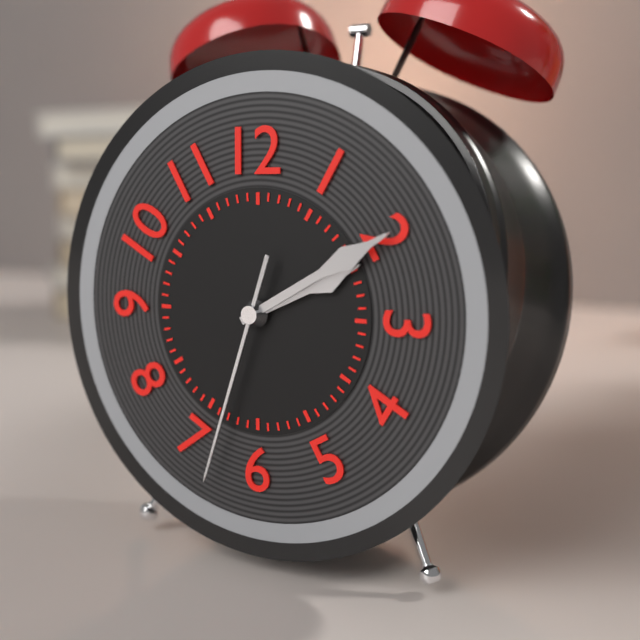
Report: 2:10:33
